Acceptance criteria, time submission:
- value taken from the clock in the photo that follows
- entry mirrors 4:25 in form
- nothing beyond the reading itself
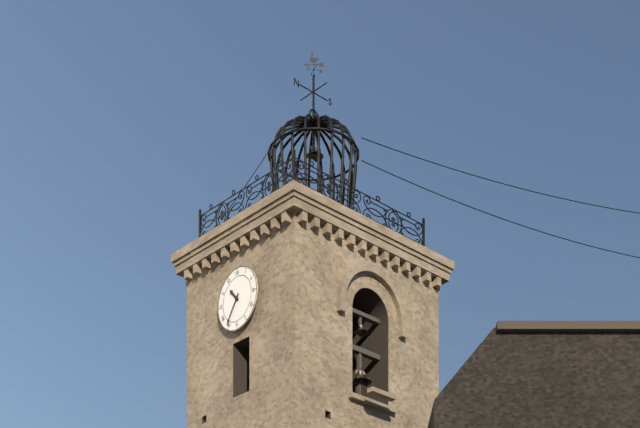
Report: 10:36
